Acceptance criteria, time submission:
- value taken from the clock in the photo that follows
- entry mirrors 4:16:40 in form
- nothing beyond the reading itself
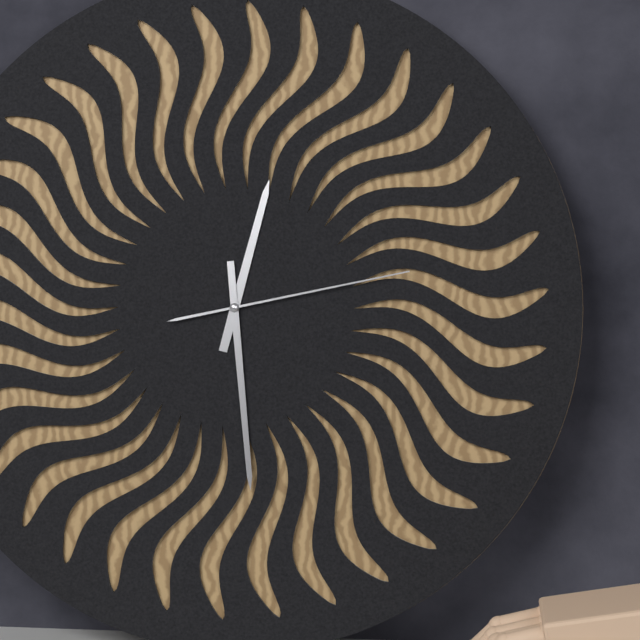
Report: 12:29:13
